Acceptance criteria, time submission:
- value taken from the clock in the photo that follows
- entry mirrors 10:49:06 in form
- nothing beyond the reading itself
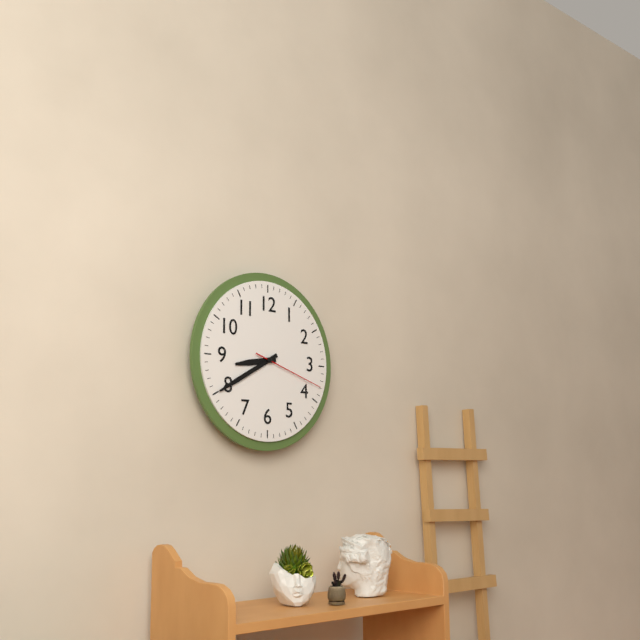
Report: 8:40:18
